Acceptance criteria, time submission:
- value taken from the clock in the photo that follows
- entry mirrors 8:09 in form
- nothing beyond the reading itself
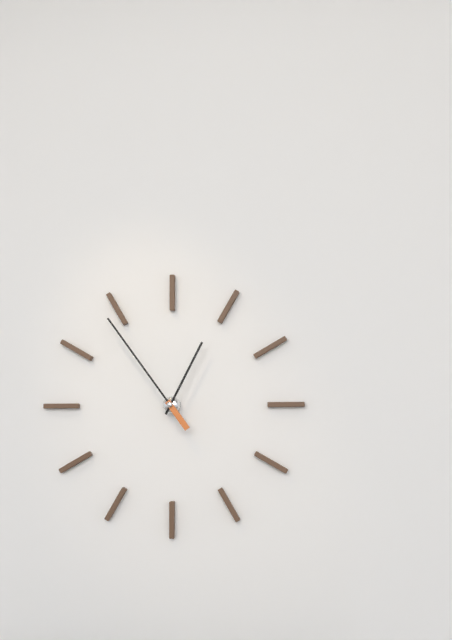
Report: 12:54
